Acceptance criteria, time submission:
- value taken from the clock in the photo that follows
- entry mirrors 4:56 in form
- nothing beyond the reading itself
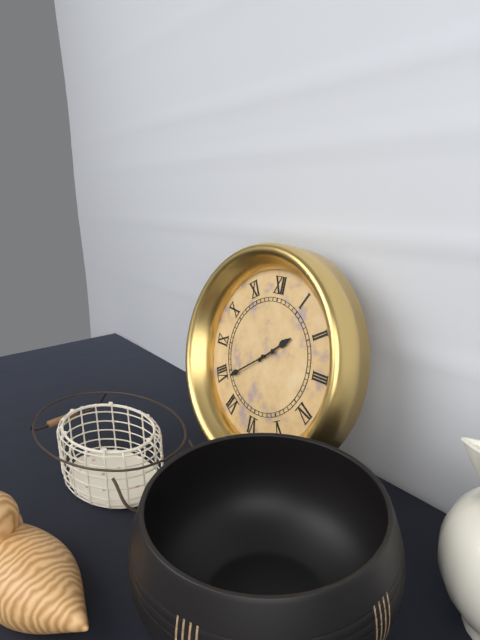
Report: 1:39
